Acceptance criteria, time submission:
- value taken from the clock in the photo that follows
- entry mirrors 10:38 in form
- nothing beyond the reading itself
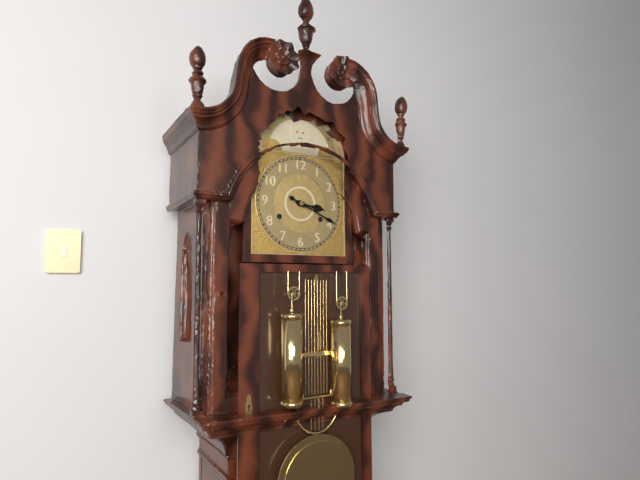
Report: 3:19
